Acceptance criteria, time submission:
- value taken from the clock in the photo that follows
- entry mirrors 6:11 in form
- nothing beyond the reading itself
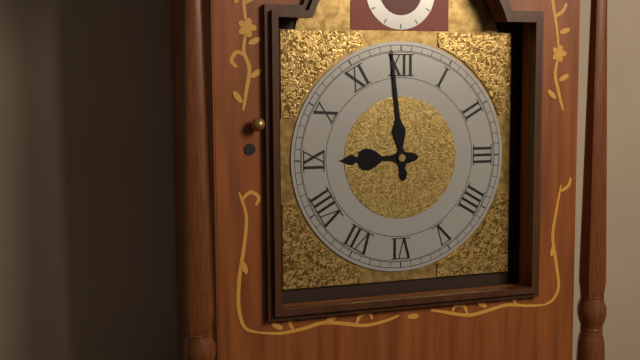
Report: 8:59
